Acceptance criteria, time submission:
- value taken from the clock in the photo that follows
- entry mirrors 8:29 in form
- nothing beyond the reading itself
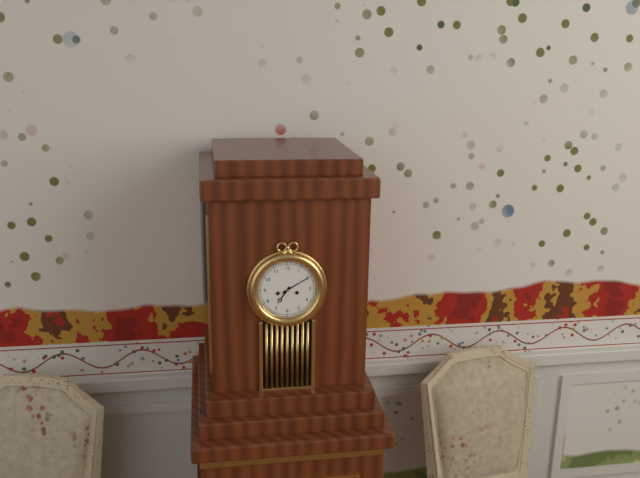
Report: 7:10
